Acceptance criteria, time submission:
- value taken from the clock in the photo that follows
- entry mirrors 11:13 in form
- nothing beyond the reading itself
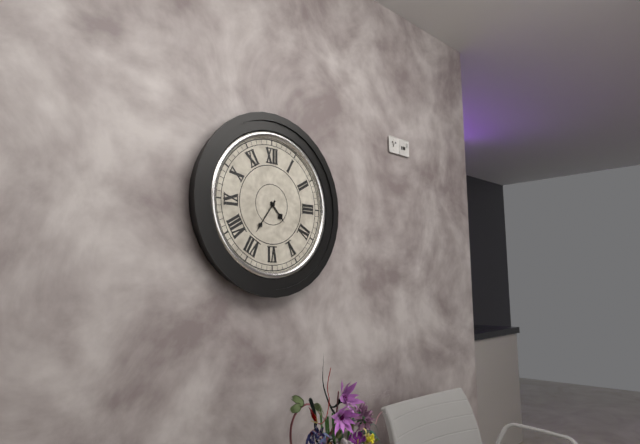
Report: 4:36
